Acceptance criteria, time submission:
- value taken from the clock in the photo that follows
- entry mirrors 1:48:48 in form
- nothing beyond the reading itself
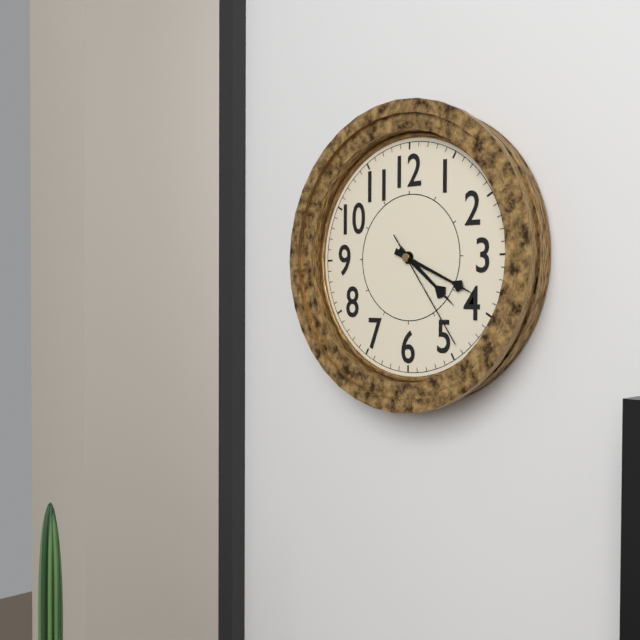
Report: 4:19:24
